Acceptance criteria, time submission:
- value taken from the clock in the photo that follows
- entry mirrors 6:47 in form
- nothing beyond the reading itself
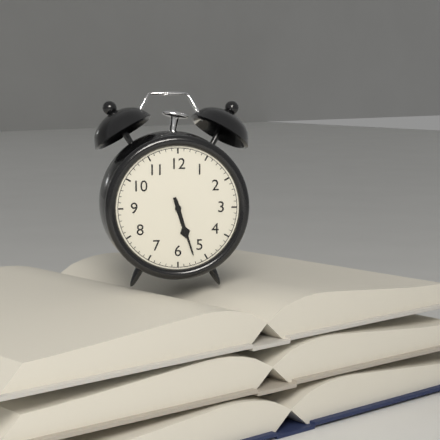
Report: 5:27
